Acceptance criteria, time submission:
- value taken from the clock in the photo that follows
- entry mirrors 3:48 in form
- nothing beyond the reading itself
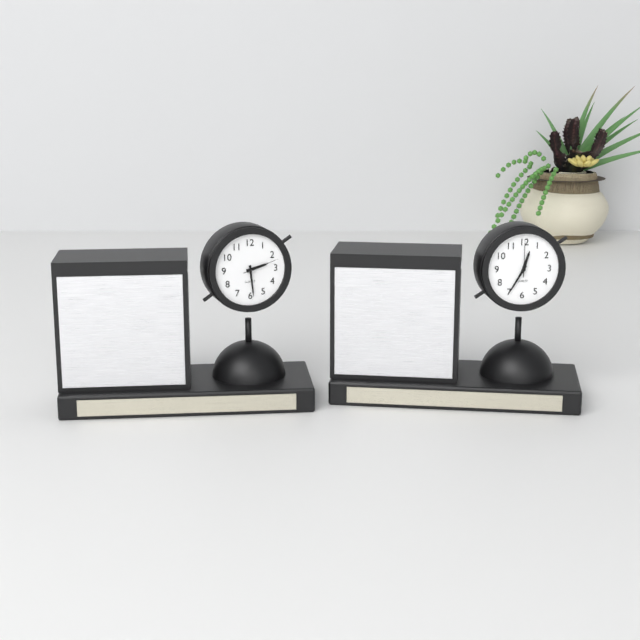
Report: 2:29
